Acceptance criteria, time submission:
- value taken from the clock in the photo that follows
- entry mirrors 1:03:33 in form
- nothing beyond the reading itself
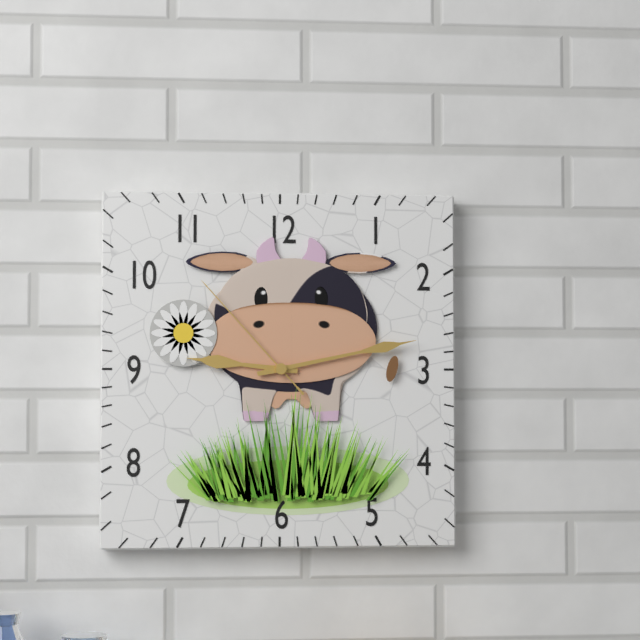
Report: 9:13:53
